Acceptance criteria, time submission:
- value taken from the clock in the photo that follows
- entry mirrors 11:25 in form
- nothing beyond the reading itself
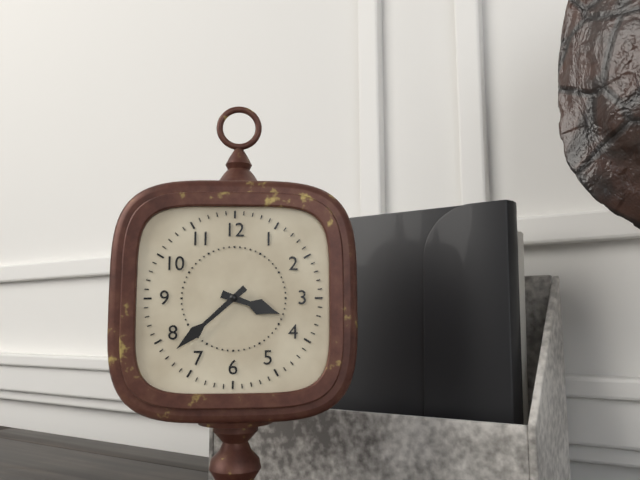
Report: 3:38
